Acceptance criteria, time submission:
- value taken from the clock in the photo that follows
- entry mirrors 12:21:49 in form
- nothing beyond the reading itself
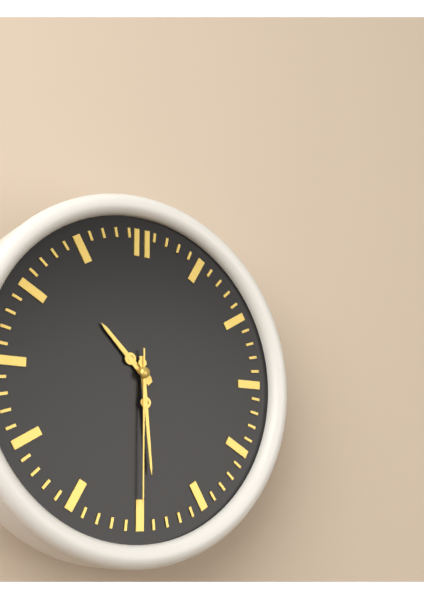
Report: 10:29:30
